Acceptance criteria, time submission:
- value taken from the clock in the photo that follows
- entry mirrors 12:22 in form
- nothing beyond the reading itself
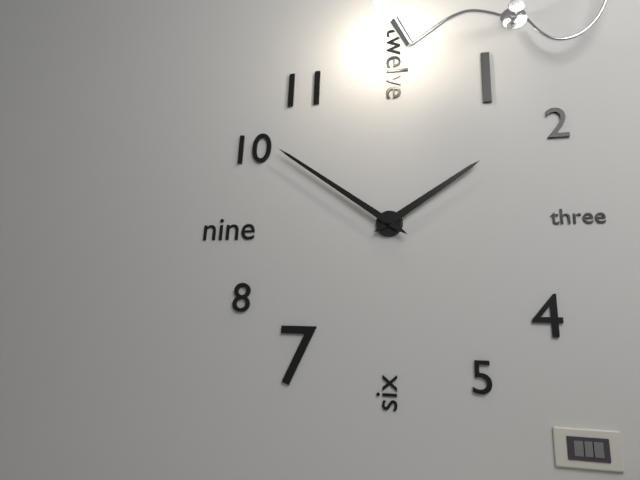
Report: 1:51
